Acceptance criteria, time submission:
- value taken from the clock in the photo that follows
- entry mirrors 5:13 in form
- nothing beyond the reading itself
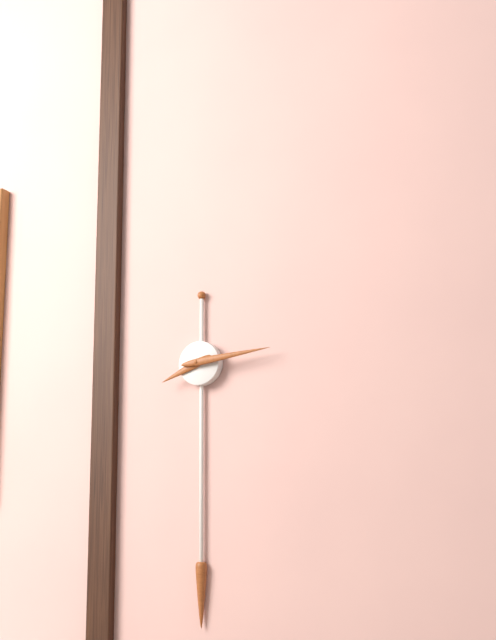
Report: 8:14
